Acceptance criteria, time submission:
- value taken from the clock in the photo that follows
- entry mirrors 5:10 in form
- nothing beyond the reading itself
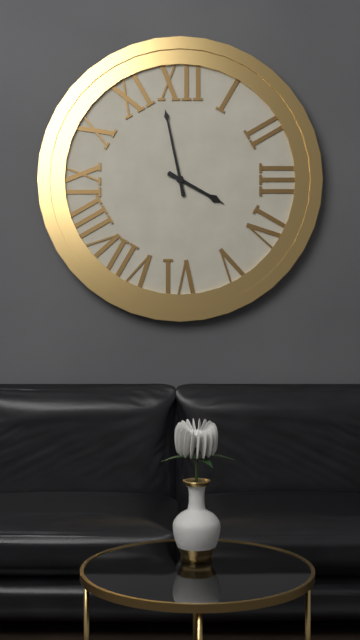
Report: 3:58
